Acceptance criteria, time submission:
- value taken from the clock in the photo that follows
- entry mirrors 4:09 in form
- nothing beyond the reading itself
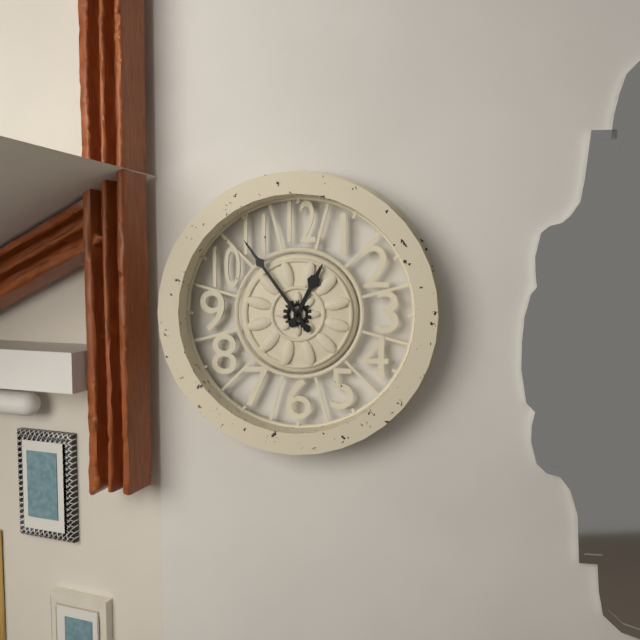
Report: 12:54
